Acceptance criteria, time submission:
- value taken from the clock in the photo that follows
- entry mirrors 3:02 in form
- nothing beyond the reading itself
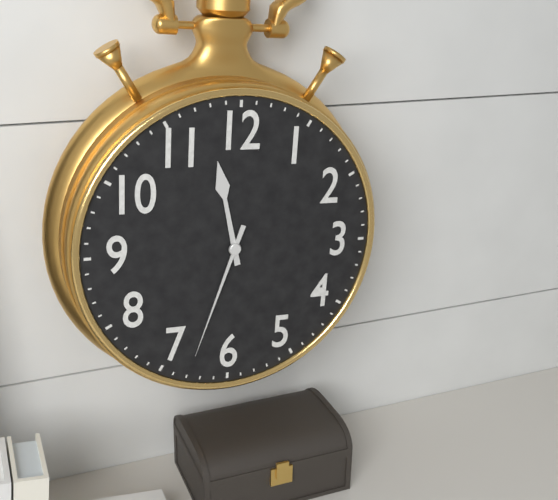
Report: 11:33
